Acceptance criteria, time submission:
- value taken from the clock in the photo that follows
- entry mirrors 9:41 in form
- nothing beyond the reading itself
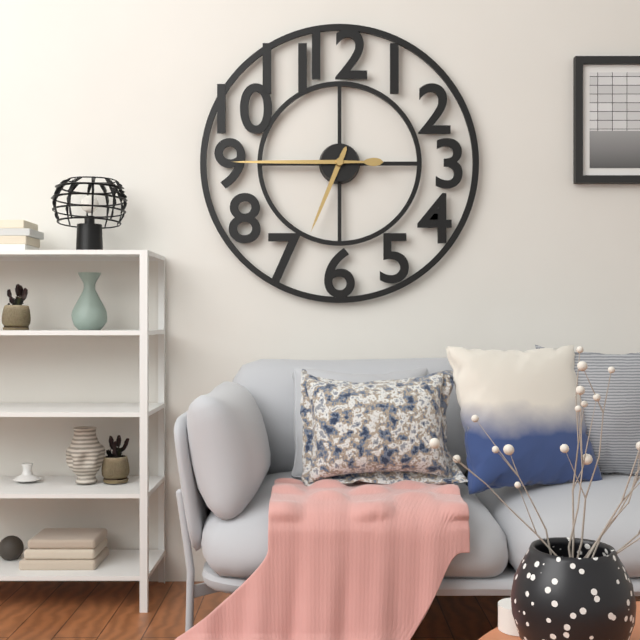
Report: 6:45
